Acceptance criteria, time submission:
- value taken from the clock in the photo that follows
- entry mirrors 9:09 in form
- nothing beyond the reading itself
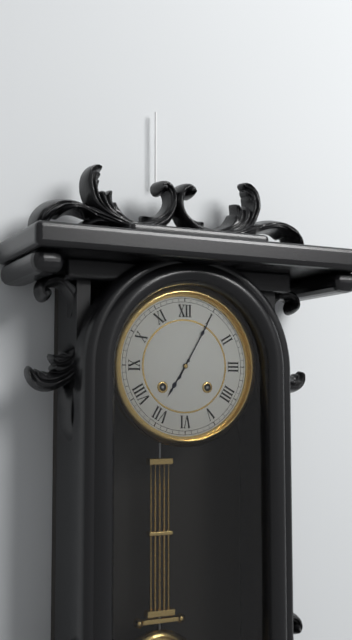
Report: 7:05
